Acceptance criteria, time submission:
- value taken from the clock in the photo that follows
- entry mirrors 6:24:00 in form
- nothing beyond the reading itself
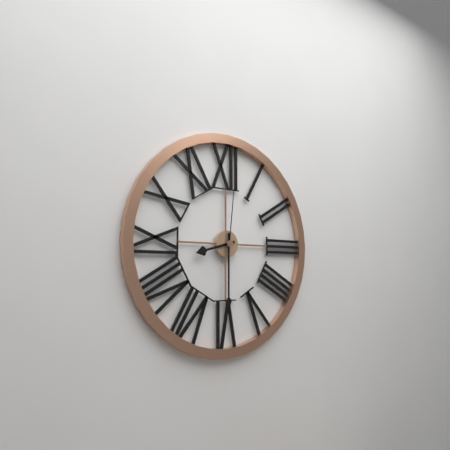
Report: 8:30:01
